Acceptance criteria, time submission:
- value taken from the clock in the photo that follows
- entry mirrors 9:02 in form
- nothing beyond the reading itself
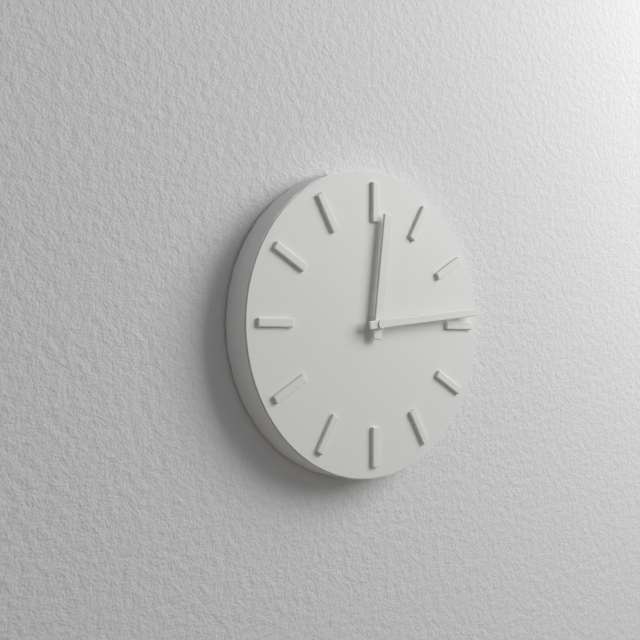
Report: 12:14
